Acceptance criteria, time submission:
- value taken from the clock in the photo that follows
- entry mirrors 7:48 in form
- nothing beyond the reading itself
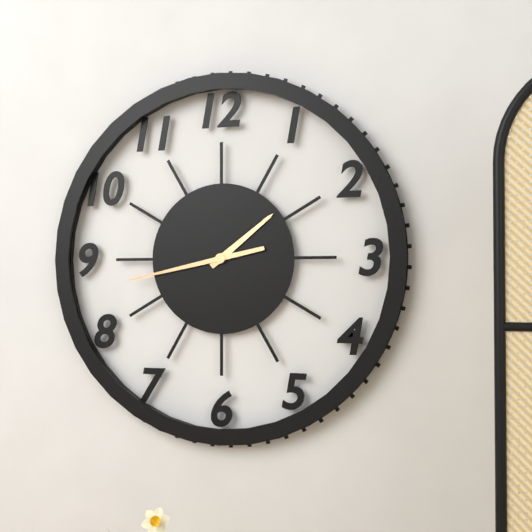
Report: 1:43
